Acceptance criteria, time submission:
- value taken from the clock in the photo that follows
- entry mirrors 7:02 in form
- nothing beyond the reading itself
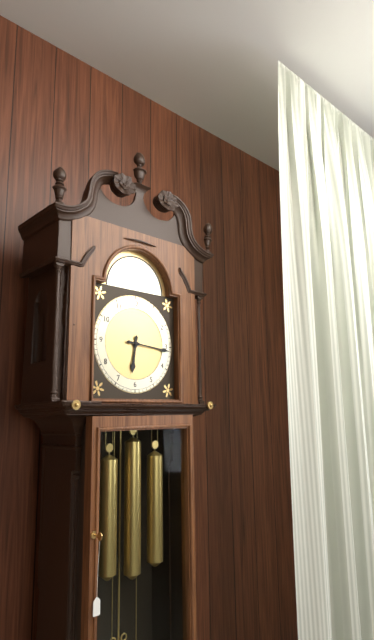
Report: 6:16
